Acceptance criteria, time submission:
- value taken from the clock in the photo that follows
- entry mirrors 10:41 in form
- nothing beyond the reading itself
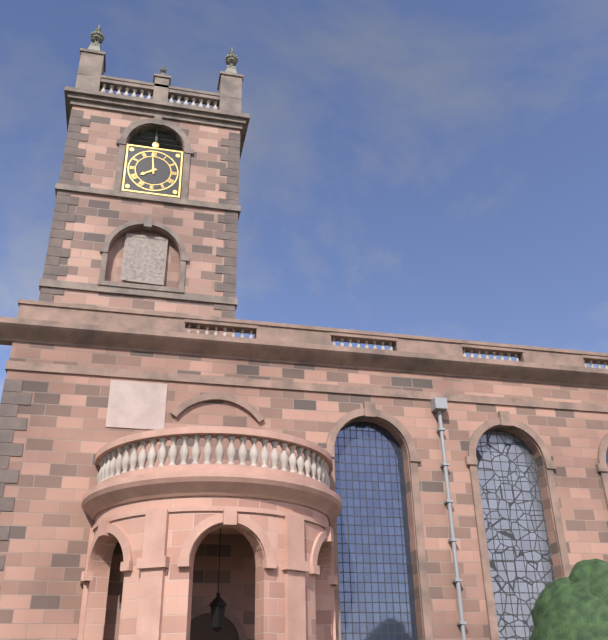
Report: 7:59
